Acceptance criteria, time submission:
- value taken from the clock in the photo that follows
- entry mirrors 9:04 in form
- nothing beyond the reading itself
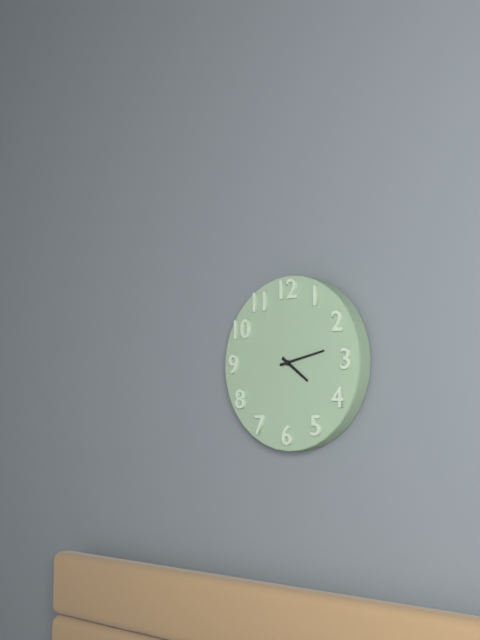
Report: 4:13
